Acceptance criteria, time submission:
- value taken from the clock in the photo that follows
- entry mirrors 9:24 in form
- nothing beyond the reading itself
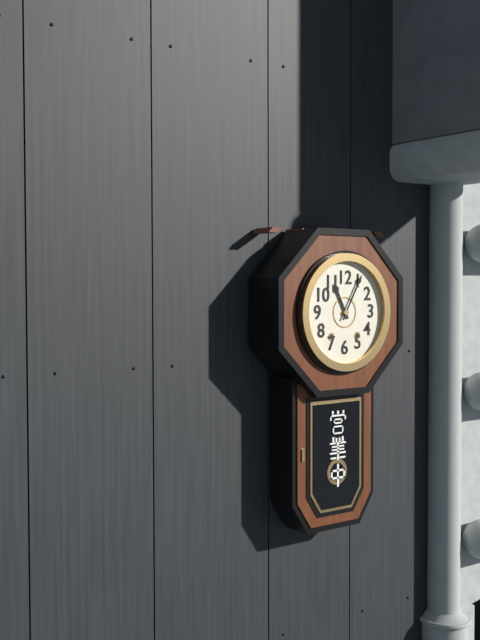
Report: 11:05
